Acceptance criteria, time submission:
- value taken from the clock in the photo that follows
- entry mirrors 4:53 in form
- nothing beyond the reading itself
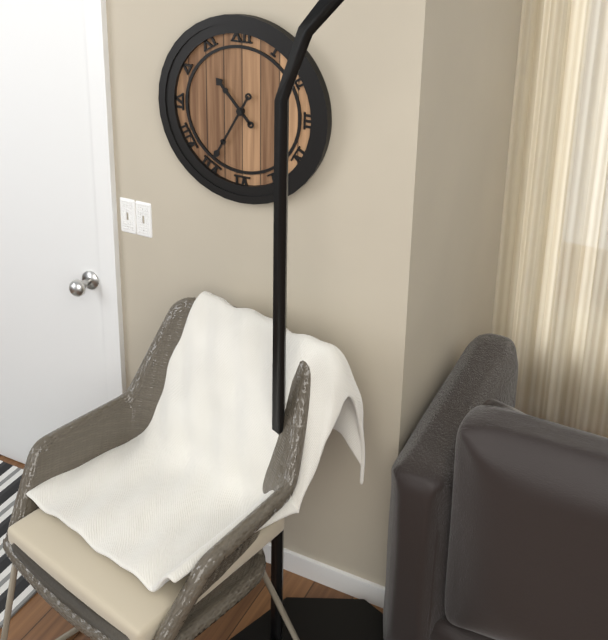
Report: 10:35
